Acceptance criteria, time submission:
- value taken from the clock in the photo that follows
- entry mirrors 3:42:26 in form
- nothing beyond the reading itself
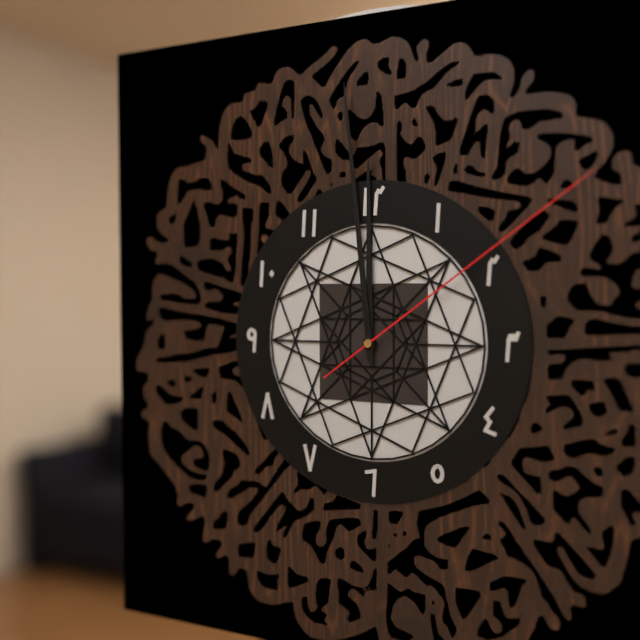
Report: 11:59:09
